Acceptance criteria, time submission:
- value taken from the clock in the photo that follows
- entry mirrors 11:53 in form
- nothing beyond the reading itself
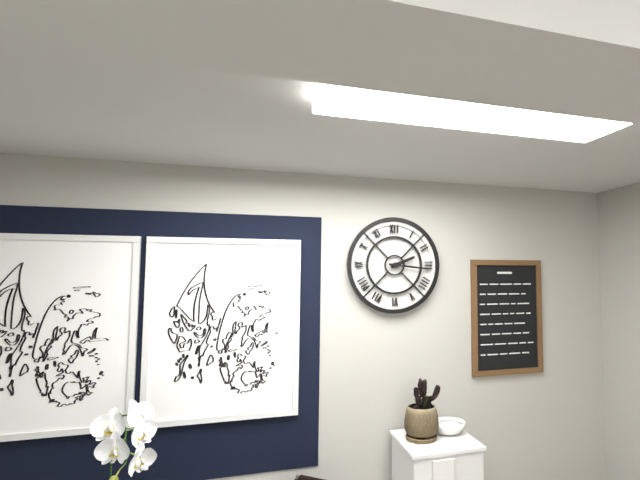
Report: 2:16
